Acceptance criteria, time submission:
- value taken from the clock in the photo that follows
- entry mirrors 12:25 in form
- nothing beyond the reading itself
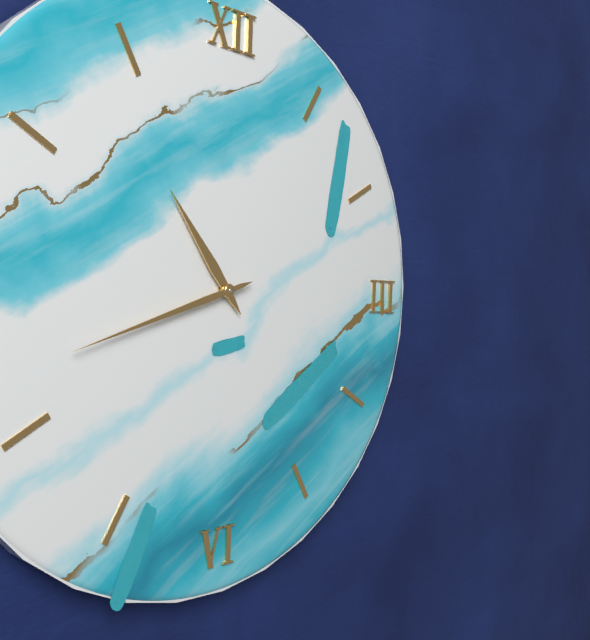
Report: 10:42
